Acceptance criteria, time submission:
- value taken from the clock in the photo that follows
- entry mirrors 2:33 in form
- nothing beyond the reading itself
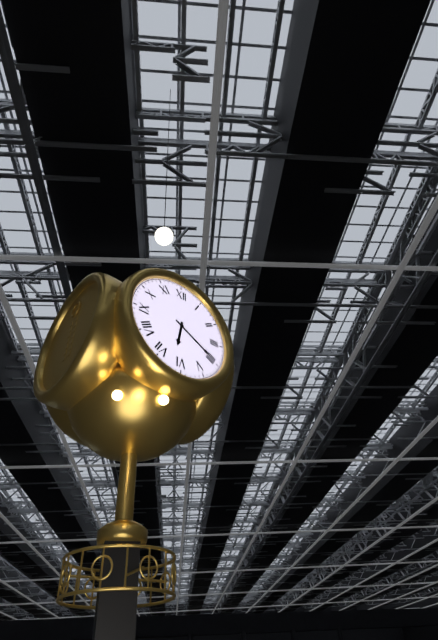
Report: 6:20
